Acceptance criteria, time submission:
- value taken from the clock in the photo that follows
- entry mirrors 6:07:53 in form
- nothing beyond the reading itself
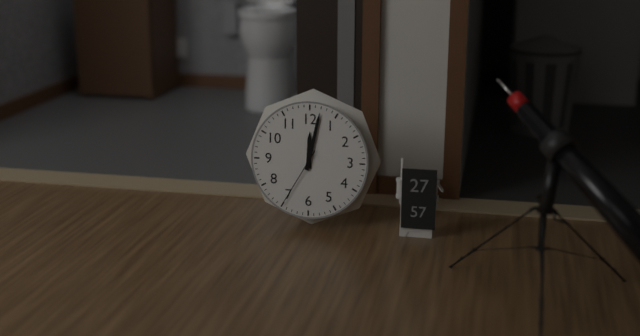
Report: 12:02:35
